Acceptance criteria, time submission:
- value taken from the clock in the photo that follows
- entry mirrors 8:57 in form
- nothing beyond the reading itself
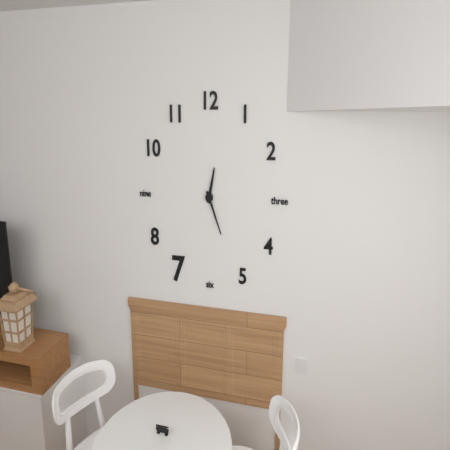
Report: 12:26
